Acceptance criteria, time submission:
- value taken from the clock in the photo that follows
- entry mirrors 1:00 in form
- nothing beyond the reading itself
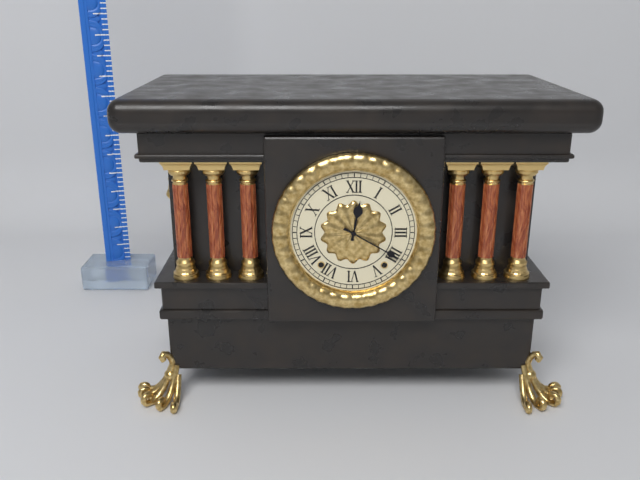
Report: 12:20
